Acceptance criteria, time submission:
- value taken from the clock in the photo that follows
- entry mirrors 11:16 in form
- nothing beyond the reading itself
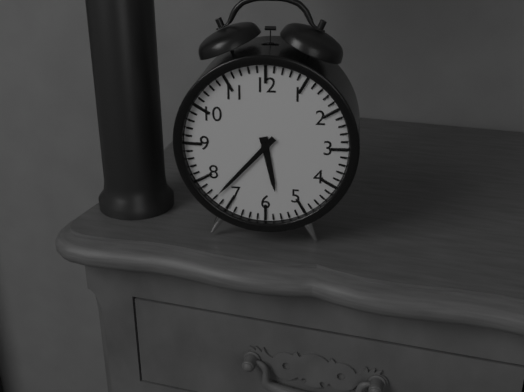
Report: 5:37
